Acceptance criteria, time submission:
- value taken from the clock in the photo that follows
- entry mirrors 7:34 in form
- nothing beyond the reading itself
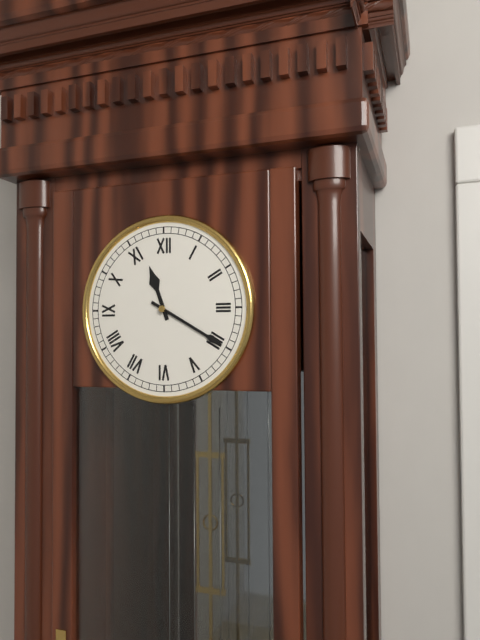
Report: 11:20
